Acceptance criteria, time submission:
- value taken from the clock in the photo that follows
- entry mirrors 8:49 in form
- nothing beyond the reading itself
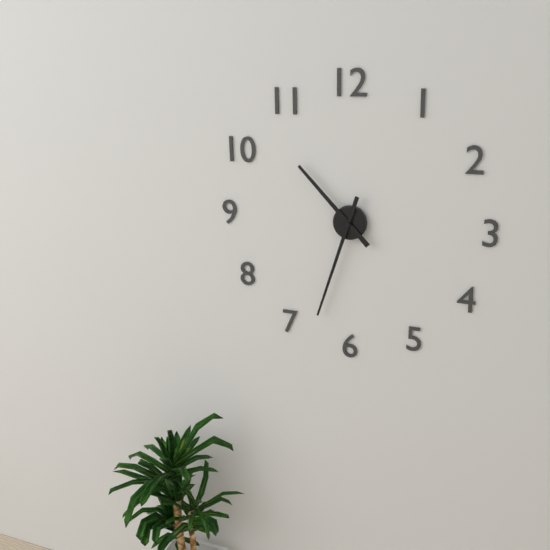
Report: 10:33
